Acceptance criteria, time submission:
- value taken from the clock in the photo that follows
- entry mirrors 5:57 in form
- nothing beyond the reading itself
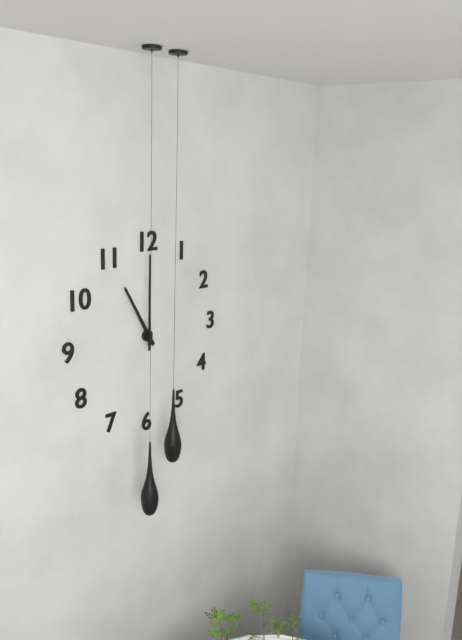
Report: 11:00
